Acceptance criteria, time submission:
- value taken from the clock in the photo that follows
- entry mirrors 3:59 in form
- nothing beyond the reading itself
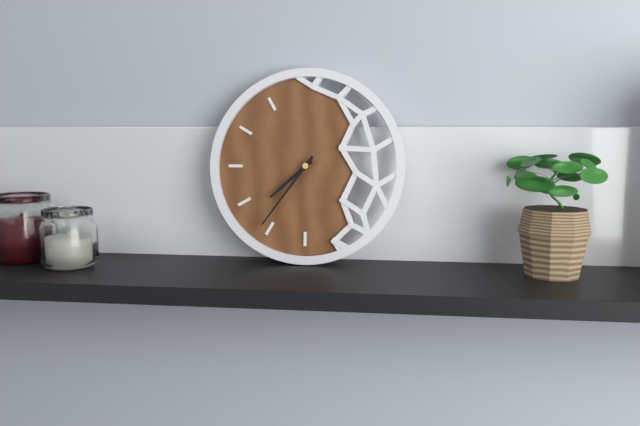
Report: 7:36
